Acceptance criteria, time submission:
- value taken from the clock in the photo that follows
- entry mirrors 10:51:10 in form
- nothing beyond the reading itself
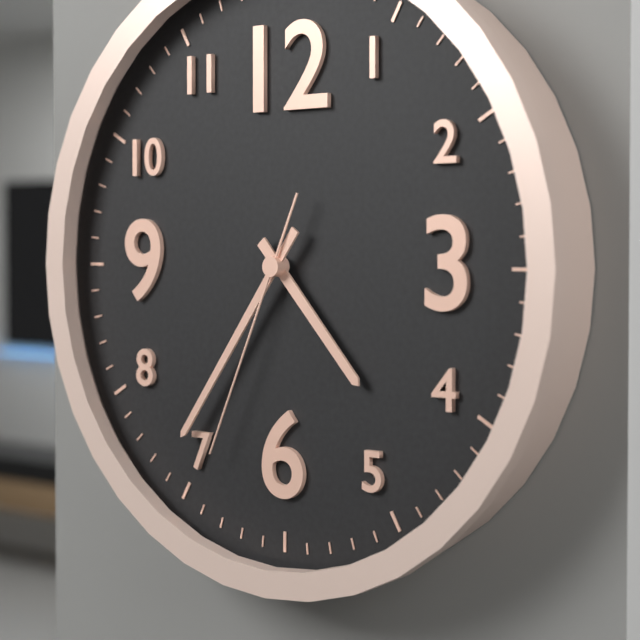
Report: 4:36:34
